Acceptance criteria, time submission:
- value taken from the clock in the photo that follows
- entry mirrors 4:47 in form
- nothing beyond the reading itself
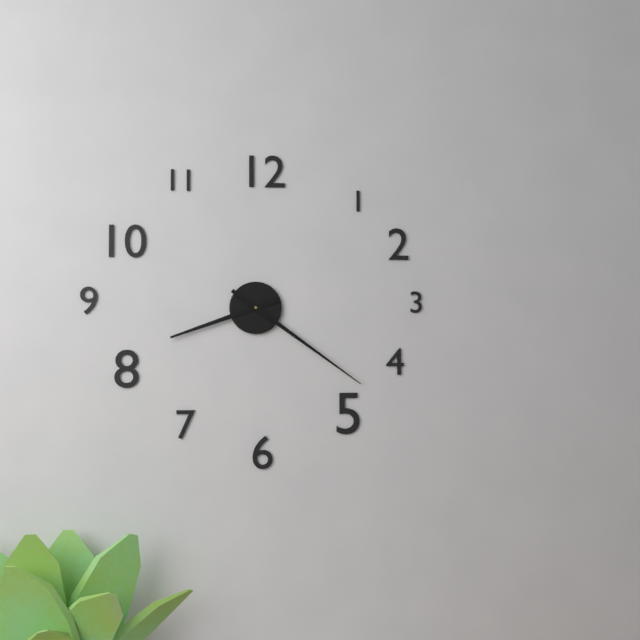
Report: 8:21
